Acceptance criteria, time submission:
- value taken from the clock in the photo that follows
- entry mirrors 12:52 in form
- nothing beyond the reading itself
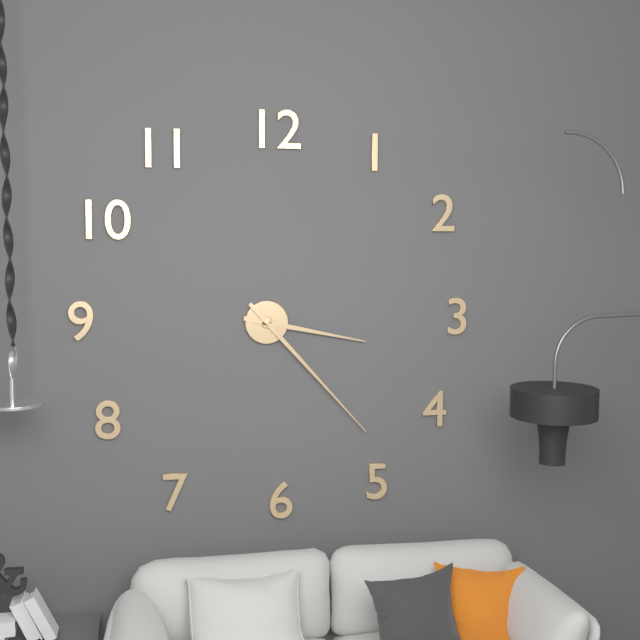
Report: 3:23
